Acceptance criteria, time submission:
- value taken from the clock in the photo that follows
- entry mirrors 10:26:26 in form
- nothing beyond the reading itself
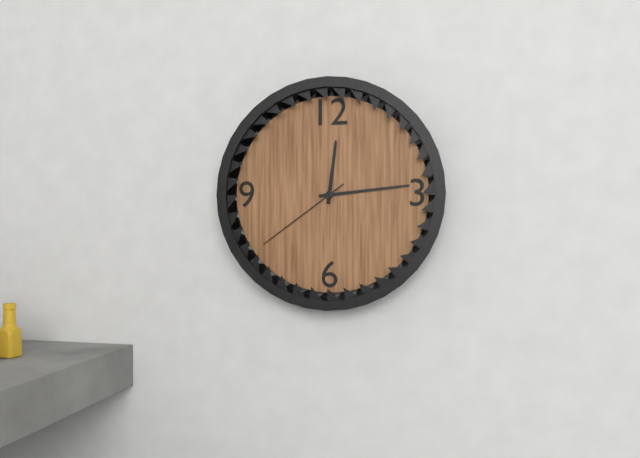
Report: 12:14:39
